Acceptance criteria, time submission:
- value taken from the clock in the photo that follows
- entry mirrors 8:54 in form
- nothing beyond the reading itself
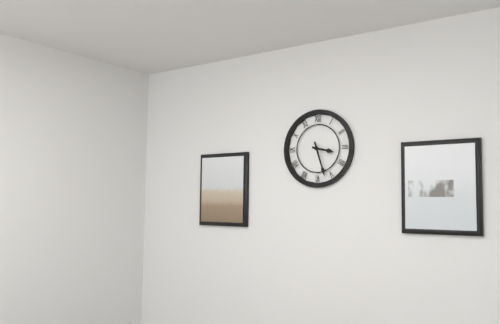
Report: 3:27
